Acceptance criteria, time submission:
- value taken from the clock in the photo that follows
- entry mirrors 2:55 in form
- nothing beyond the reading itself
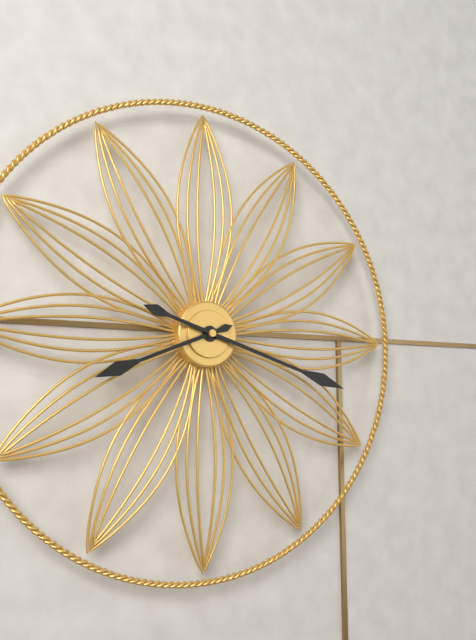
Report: 8:18
